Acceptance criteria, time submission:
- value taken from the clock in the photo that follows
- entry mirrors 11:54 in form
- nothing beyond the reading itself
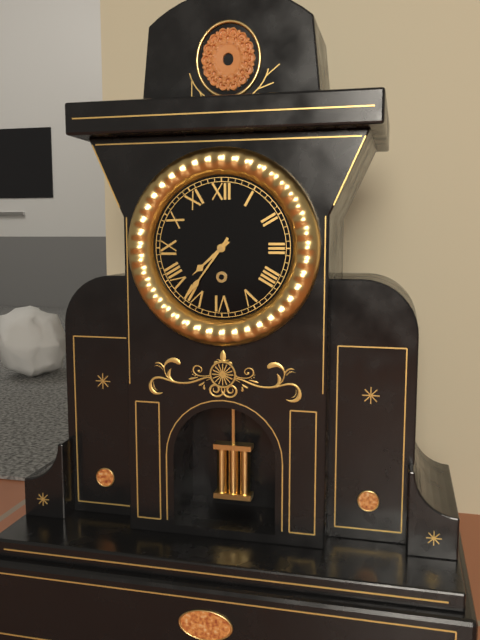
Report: 7:36
